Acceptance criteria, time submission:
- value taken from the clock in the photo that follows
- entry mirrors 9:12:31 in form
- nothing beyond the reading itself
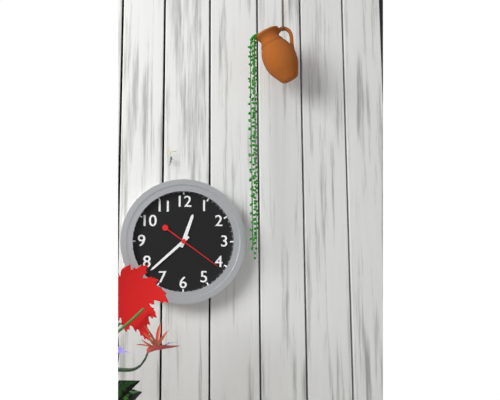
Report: 12:38:21
